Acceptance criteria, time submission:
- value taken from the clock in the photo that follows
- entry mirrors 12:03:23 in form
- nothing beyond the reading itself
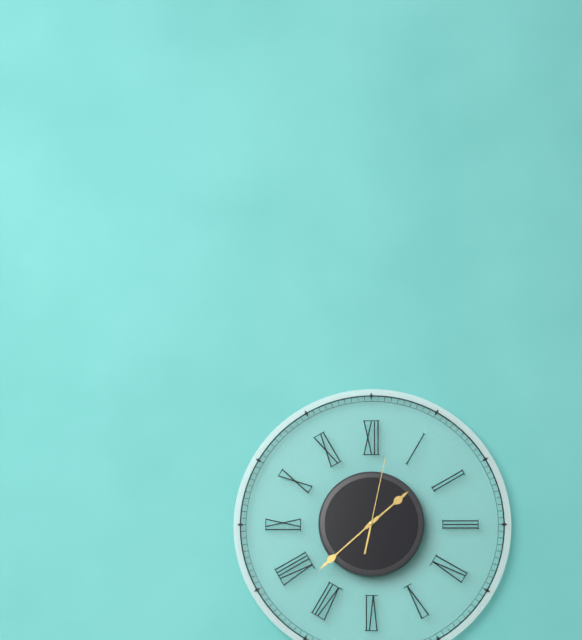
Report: 1:38:02
